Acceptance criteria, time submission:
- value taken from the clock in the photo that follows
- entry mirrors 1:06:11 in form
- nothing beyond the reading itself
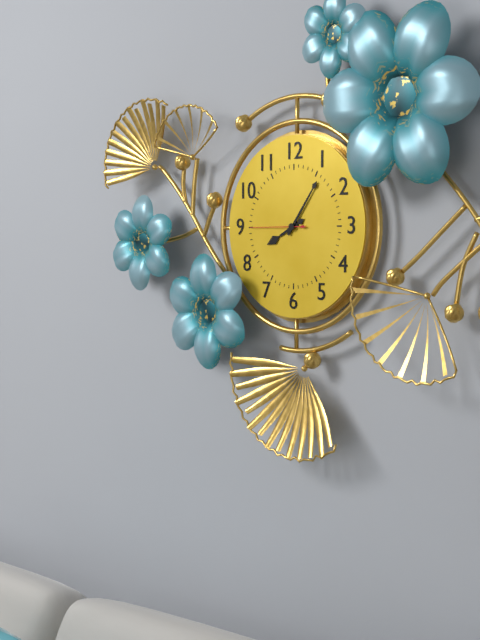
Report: 8:06:45
